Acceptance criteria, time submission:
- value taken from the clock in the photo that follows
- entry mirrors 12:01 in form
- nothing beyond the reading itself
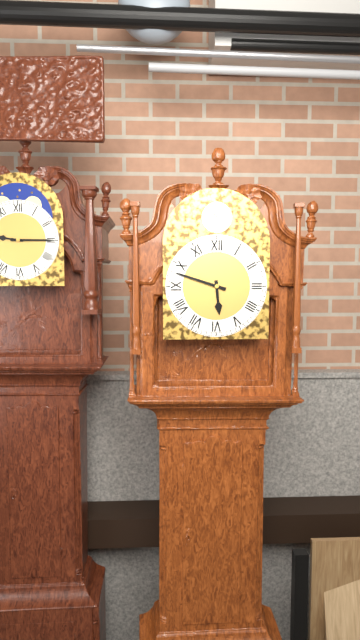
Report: 5:48
